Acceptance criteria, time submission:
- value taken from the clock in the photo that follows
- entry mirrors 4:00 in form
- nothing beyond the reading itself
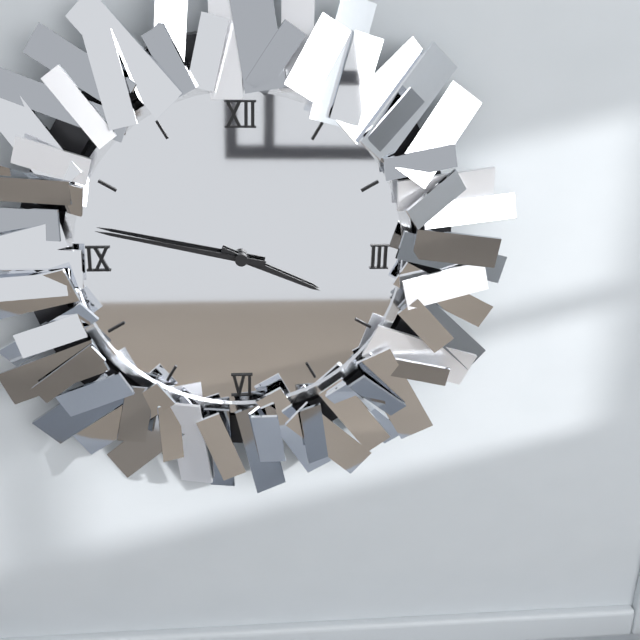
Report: 3:47
